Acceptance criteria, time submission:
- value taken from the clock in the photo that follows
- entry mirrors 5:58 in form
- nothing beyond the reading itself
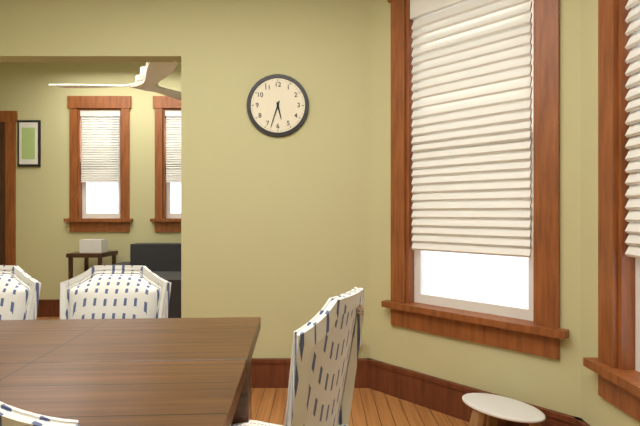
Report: 5:33
